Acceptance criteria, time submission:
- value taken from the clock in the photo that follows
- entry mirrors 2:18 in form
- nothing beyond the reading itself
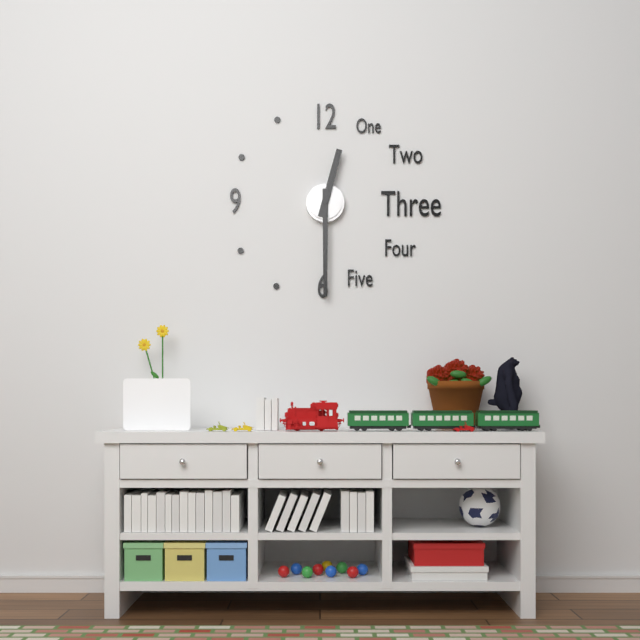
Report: 12:30
